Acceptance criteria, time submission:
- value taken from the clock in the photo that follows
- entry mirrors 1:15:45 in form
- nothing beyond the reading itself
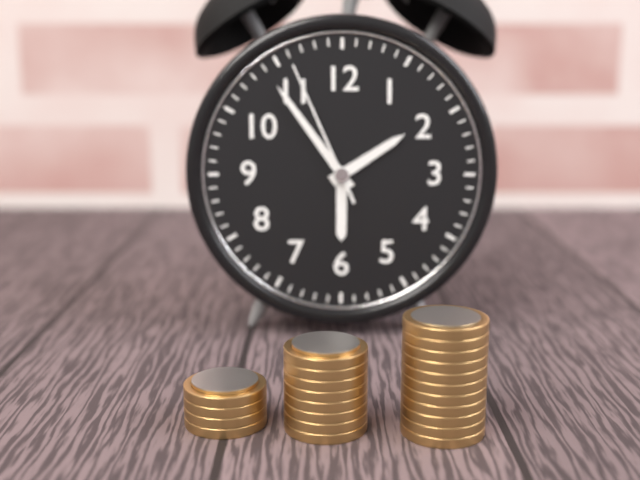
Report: 1:54:56
